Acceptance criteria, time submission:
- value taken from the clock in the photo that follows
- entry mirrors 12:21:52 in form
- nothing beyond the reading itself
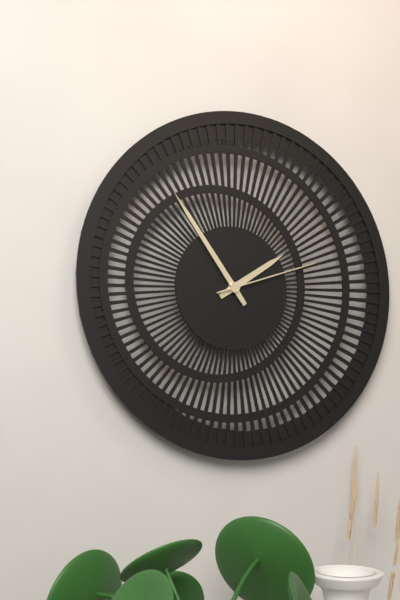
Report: 1:54:12
